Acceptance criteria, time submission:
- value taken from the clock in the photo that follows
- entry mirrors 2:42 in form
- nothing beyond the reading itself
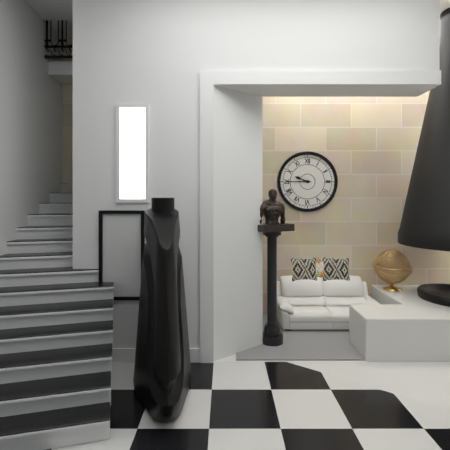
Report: 9:45
